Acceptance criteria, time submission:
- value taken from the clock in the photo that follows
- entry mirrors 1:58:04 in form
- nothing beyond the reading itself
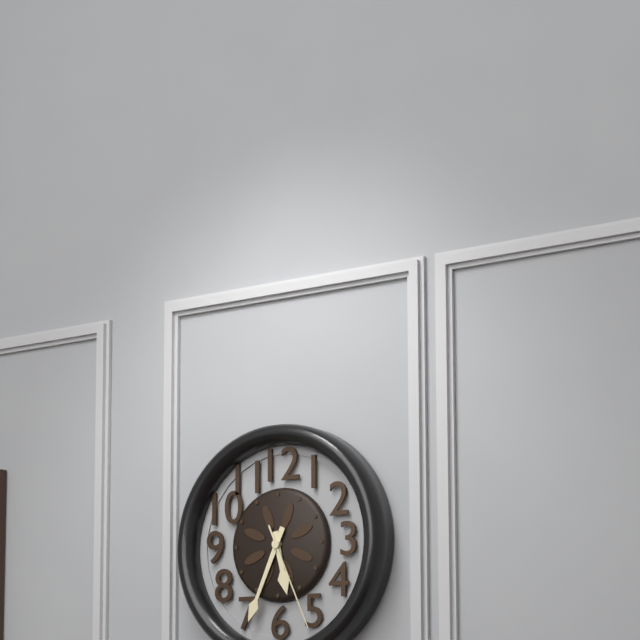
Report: 5:34:26
